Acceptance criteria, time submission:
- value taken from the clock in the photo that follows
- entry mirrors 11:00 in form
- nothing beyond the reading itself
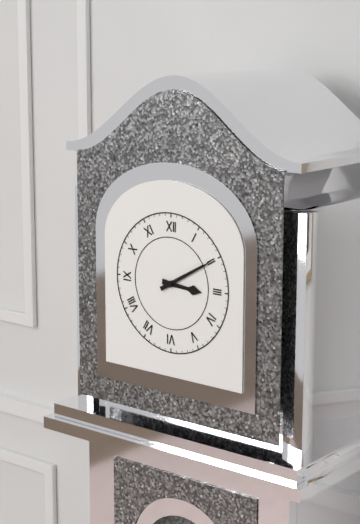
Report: 3:10
